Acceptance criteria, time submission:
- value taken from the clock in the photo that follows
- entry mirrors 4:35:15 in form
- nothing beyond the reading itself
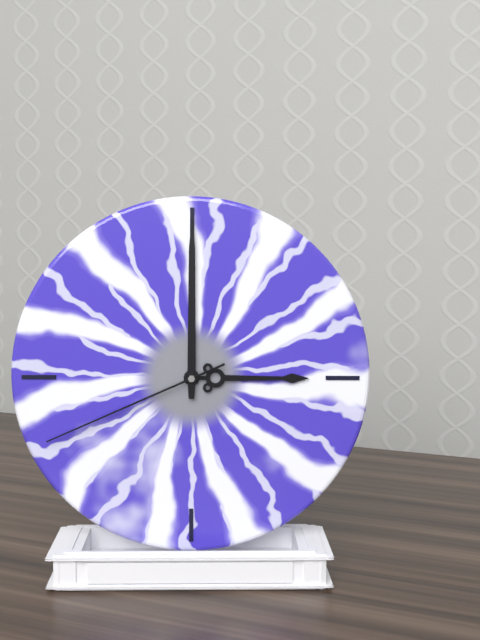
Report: 3:00:41
